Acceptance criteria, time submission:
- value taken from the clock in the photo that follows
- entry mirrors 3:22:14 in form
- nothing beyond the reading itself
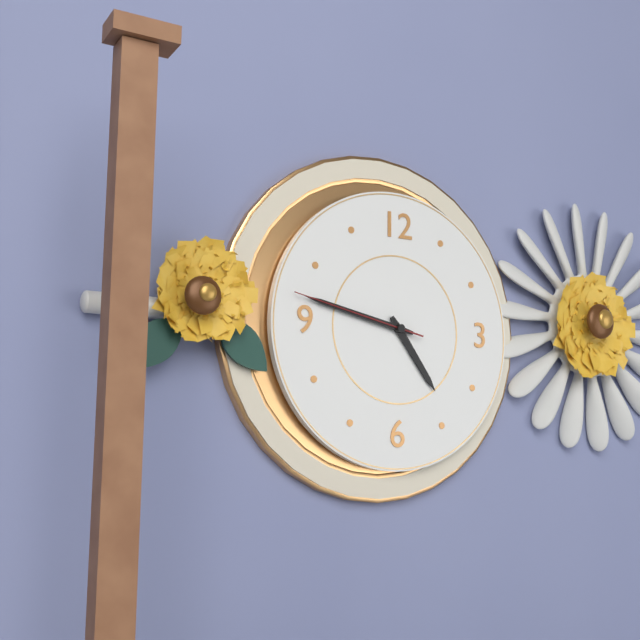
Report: 4:47:47
